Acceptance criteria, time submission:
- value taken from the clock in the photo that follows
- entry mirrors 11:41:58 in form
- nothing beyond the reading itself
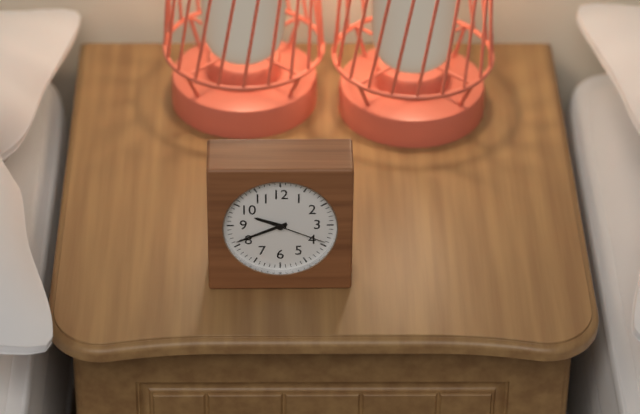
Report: 9:41:19
